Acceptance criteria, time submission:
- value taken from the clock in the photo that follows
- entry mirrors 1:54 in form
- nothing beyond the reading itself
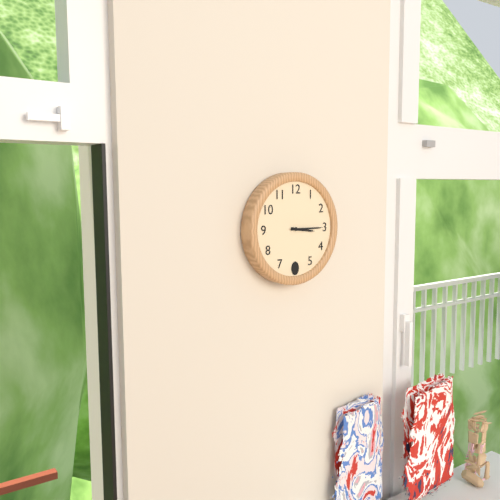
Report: 3:15
